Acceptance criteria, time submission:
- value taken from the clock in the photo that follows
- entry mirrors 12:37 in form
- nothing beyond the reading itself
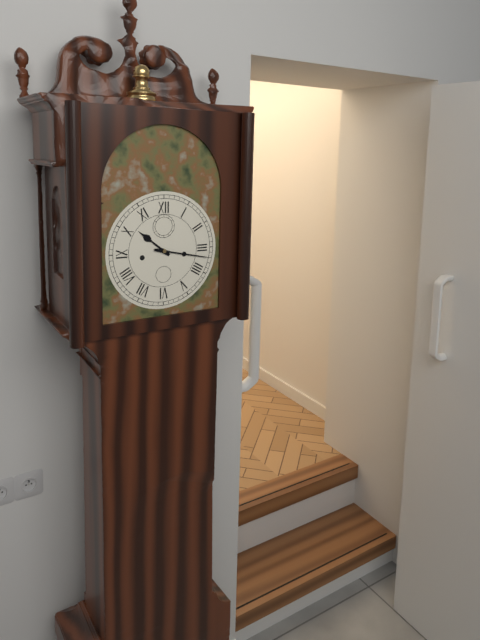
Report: 10:17
